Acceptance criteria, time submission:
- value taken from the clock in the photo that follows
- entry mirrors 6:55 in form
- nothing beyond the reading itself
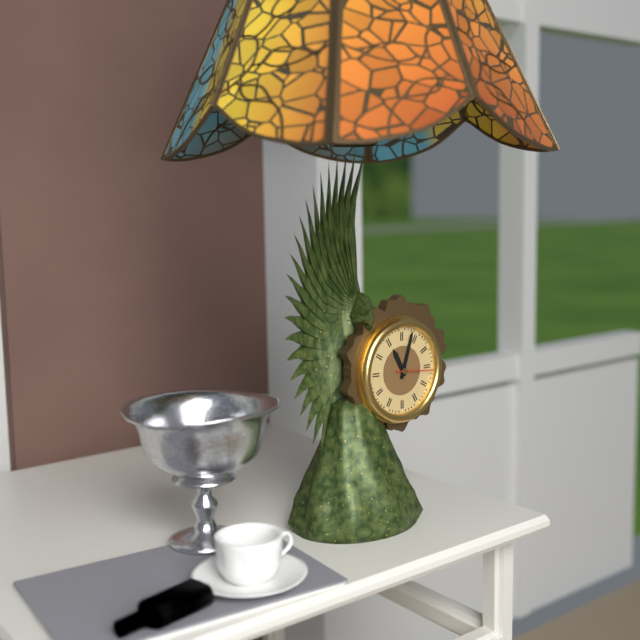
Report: 11:03
